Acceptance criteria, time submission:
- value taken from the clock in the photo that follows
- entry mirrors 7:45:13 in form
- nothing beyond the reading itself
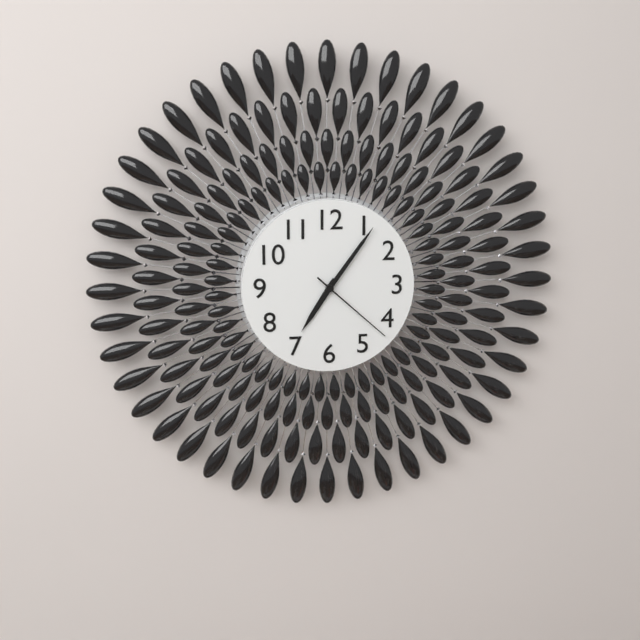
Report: 7:06:22
